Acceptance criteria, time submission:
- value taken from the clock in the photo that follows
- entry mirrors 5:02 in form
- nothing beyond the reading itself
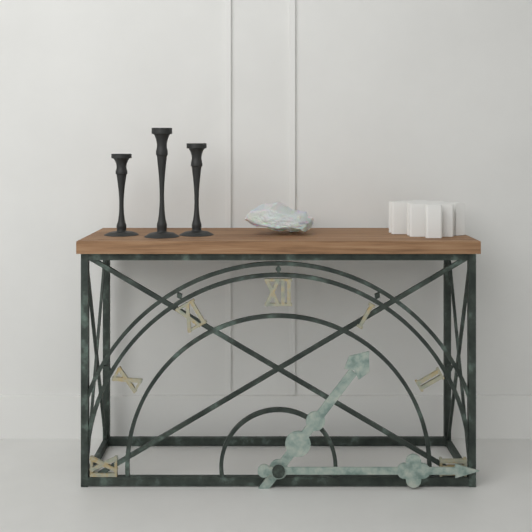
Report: 1:15
